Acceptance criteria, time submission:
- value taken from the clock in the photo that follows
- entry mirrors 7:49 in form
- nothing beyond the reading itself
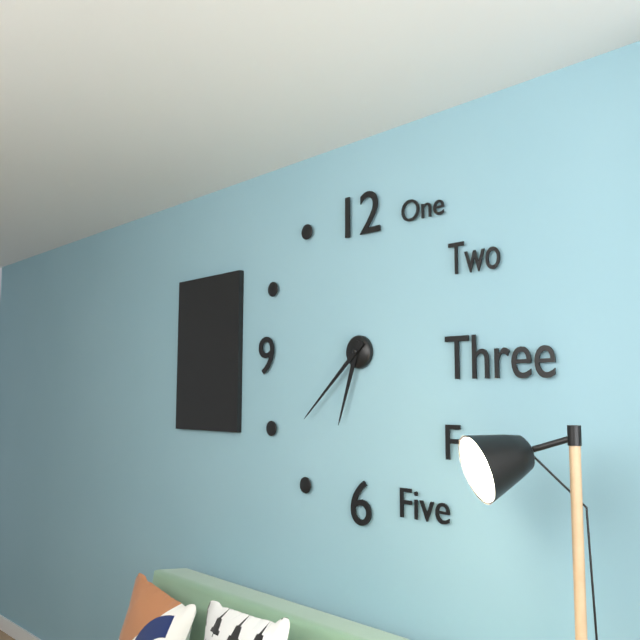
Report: 6:38
